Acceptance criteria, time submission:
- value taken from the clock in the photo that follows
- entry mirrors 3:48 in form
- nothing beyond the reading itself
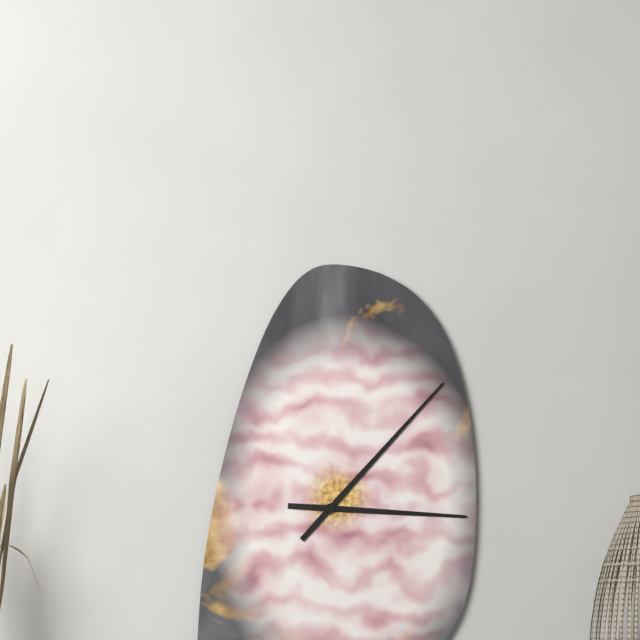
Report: 3:07
